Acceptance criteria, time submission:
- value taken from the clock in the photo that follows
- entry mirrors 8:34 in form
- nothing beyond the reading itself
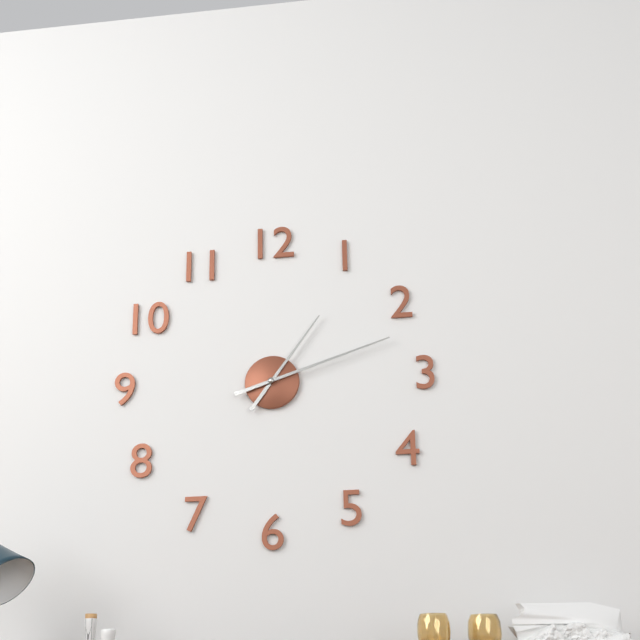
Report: 1:12
